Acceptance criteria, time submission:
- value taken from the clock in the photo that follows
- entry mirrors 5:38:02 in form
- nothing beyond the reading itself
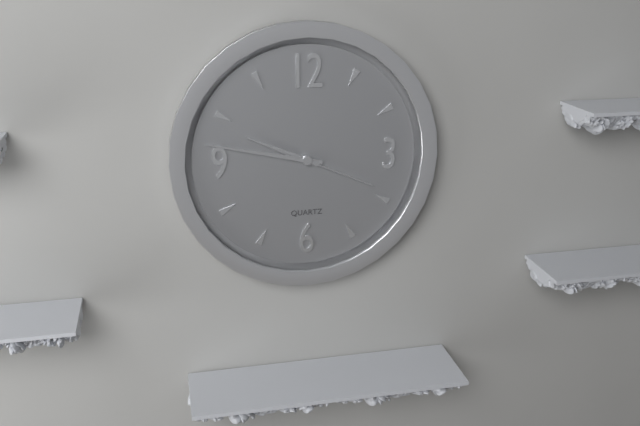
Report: 9:47:19
